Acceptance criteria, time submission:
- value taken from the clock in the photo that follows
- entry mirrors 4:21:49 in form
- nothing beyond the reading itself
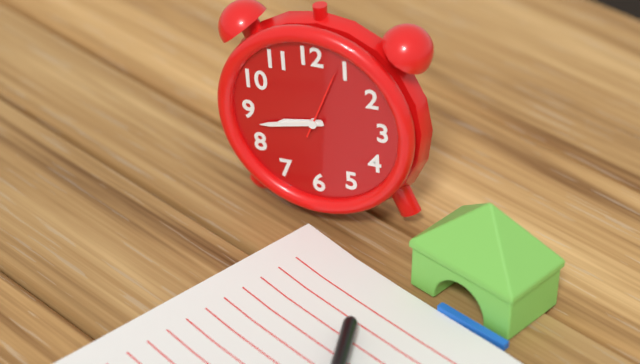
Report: 8:43:04
